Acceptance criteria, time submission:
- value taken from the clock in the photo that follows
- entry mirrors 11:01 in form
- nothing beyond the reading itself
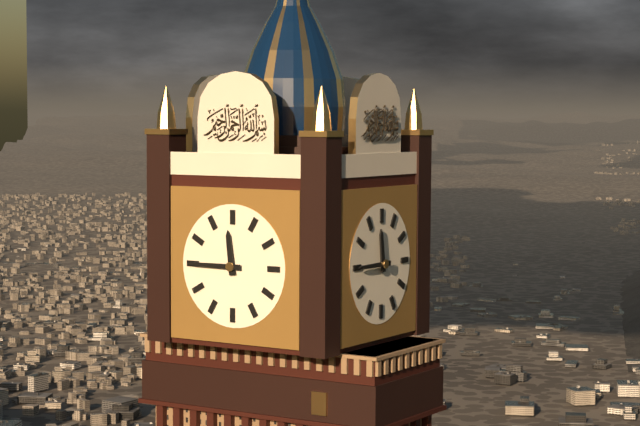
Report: 11:45
